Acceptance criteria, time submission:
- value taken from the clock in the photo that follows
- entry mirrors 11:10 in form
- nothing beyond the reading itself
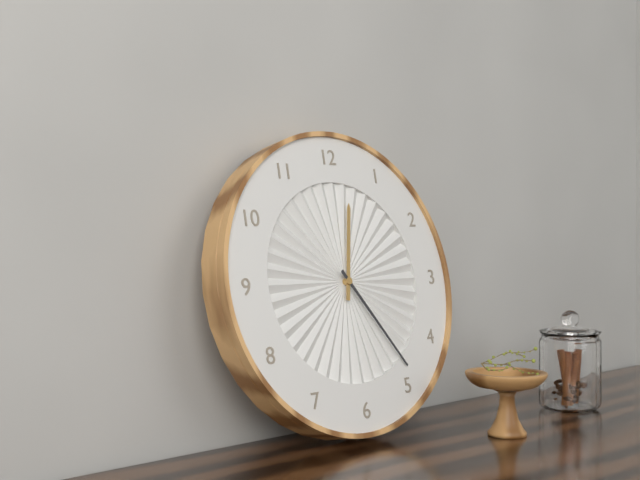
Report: 12:24
